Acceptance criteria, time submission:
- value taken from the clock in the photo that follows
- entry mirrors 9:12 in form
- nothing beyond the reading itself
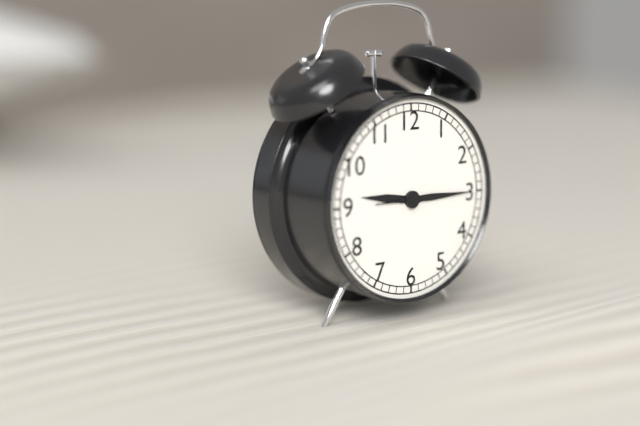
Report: 9:15
